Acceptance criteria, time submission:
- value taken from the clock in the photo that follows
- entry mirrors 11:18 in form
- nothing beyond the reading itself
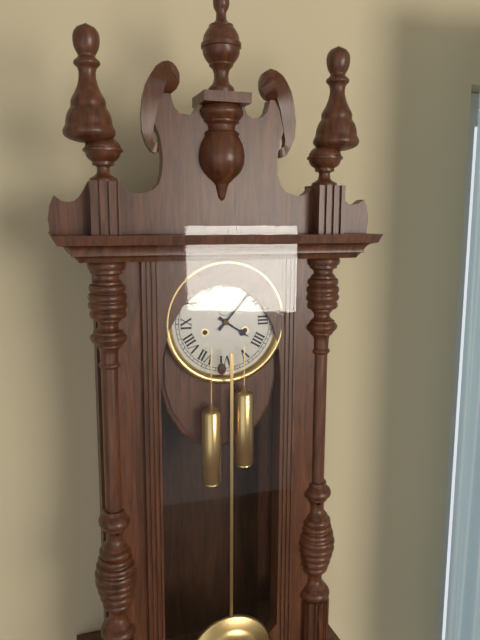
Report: 4:07
